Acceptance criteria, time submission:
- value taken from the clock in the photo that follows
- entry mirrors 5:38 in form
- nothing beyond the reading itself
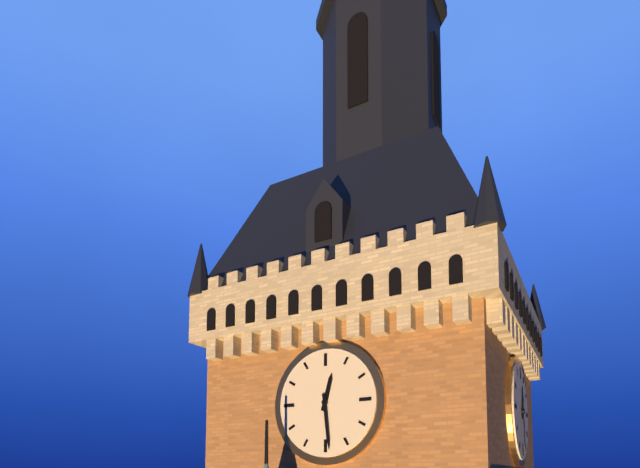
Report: 12:29
